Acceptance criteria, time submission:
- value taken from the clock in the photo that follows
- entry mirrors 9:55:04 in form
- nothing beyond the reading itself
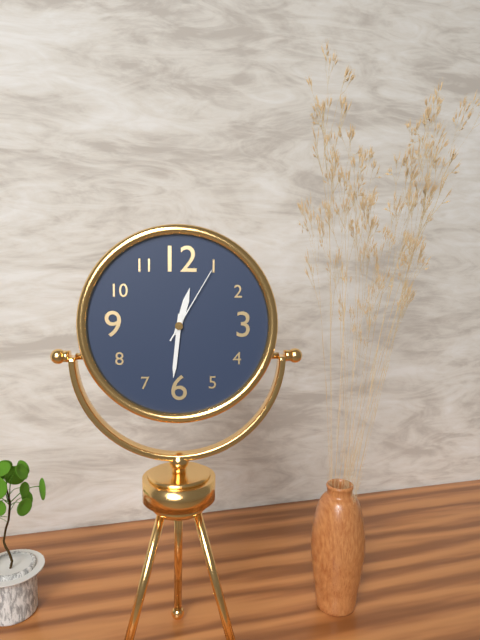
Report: 12:31:05
